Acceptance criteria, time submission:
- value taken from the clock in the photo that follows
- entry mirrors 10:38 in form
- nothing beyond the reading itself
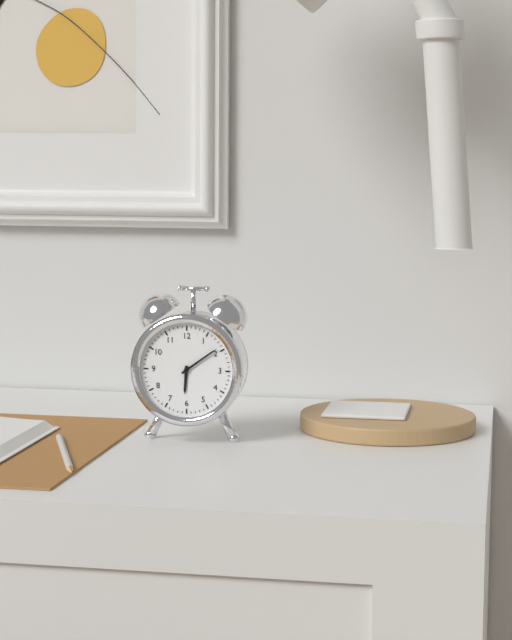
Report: 6:09
